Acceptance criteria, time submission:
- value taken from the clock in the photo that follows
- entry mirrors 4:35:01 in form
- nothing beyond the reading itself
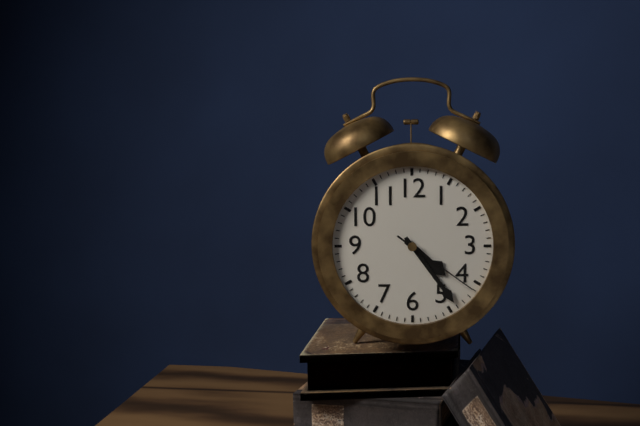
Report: 4:24:21
